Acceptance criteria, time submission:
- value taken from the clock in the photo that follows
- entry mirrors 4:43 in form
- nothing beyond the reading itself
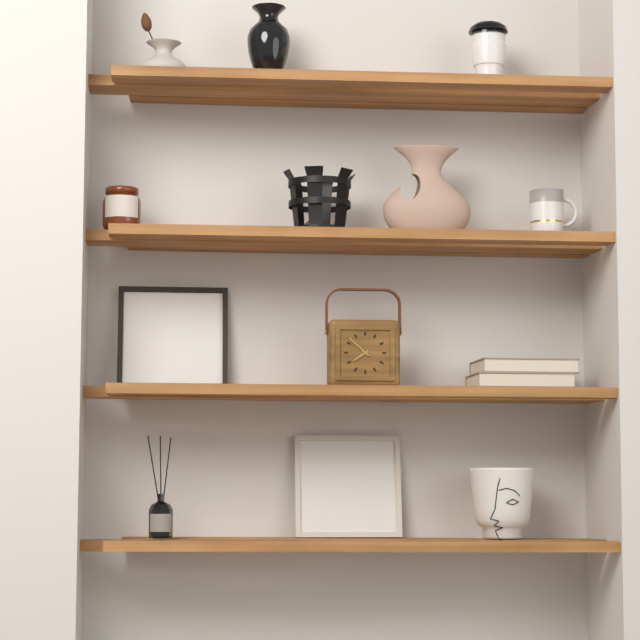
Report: 7:52
